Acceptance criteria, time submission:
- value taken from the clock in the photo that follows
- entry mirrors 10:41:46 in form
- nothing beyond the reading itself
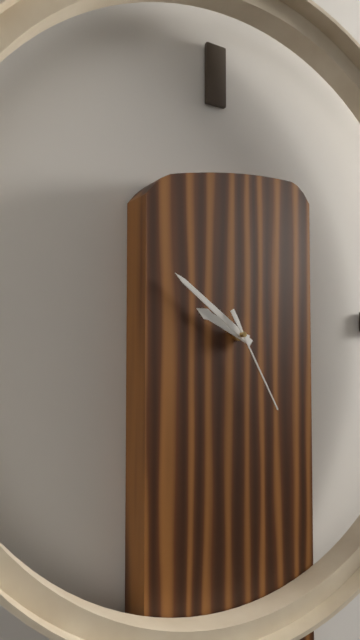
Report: 9:51:25
